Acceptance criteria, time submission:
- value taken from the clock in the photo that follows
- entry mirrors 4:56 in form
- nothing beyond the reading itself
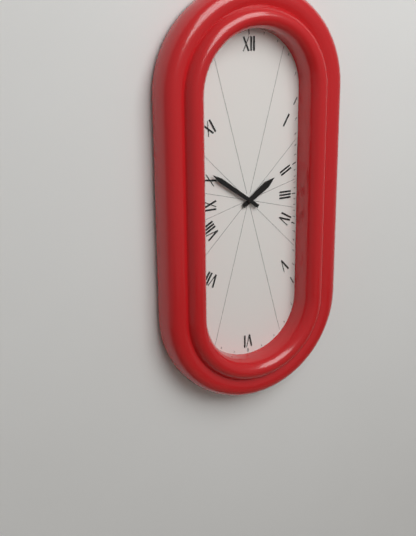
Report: 1:51
